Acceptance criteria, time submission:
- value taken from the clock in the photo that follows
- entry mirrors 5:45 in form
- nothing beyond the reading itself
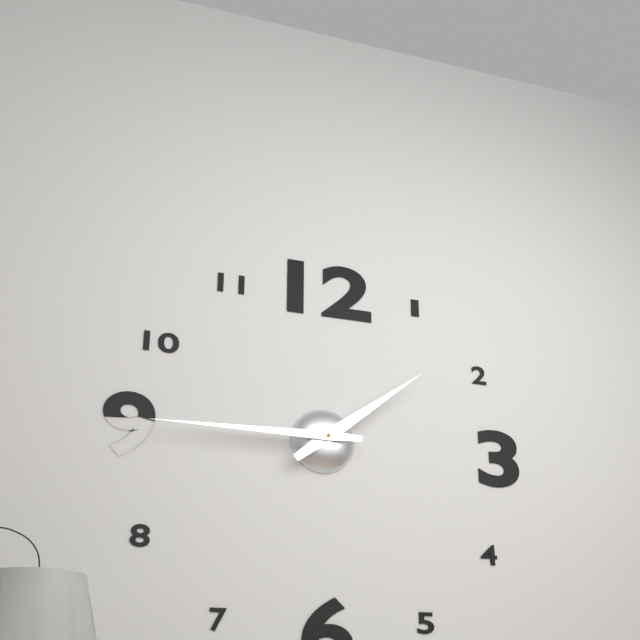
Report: 1:45
